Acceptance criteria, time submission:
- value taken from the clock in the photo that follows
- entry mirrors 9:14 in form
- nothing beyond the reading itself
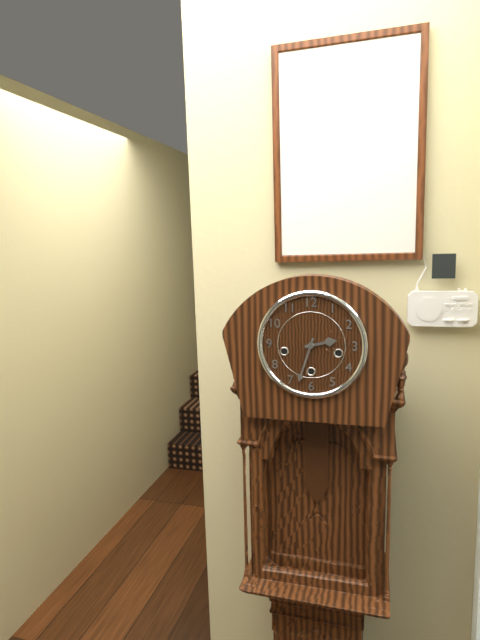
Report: 2:33
